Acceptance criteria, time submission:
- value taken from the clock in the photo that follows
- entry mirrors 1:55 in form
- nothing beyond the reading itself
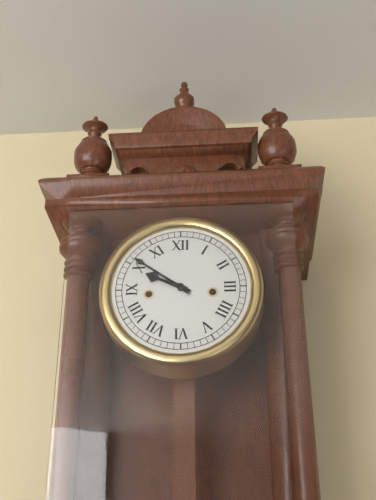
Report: 9:51
